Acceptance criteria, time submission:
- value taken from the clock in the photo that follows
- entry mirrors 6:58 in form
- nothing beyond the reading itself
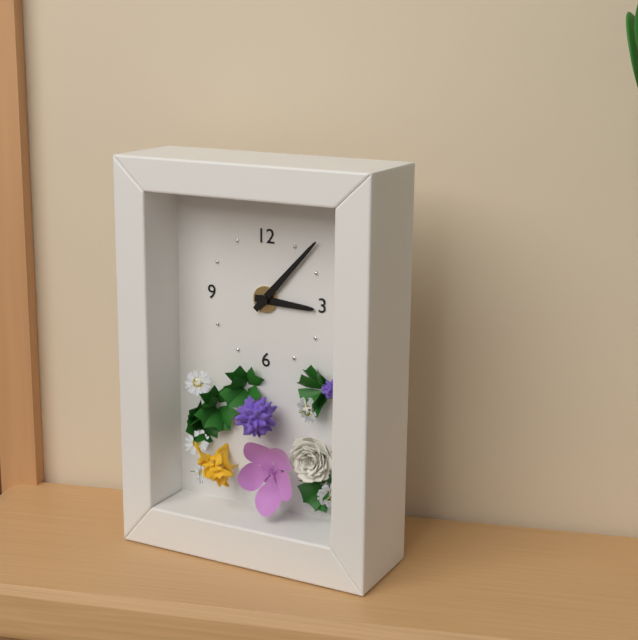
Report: 3:07
